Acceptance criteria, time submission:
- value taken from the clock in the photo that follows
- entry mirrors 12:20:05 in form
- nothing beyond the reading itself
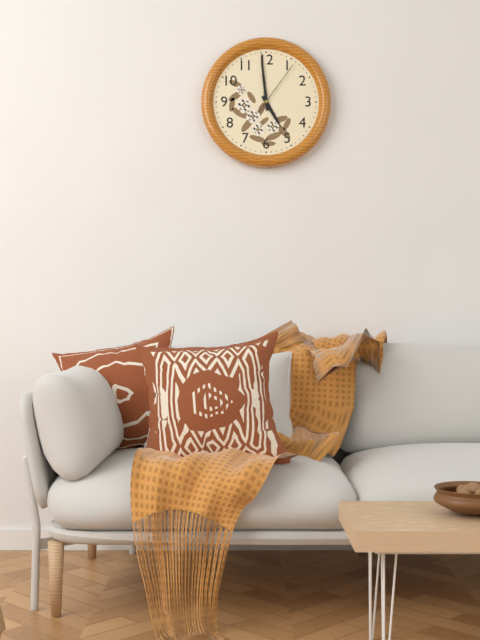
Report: 4:59:06
